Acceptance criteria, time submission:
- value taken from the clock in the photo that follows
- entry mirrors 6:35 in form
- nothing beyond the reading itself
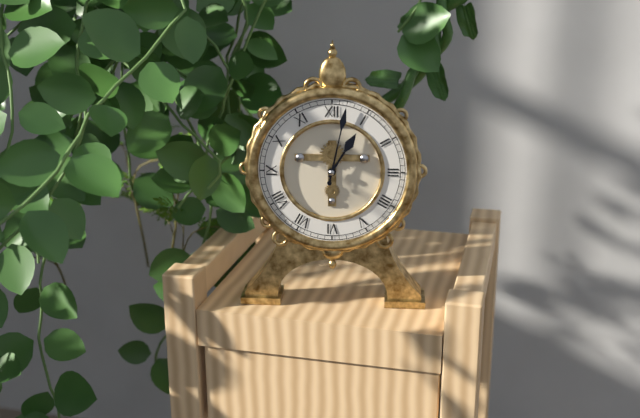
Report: 1:02
